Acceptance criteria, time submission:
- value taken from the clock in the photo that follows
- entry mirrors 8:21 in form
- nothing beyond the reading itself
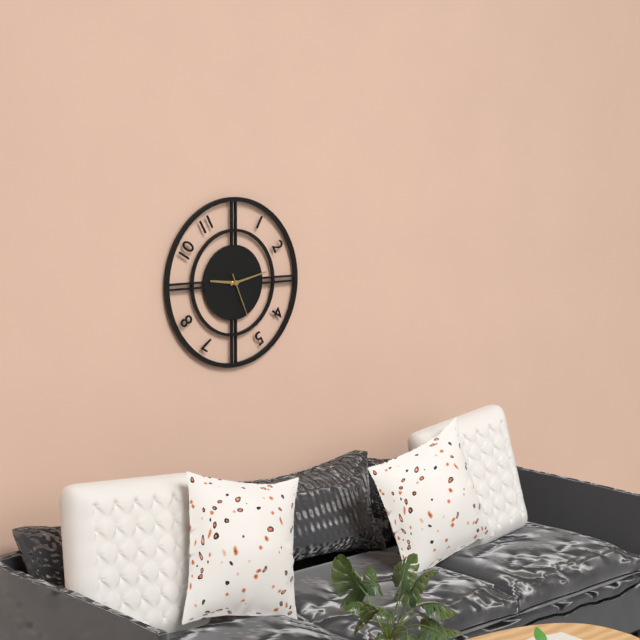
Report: 9:13
